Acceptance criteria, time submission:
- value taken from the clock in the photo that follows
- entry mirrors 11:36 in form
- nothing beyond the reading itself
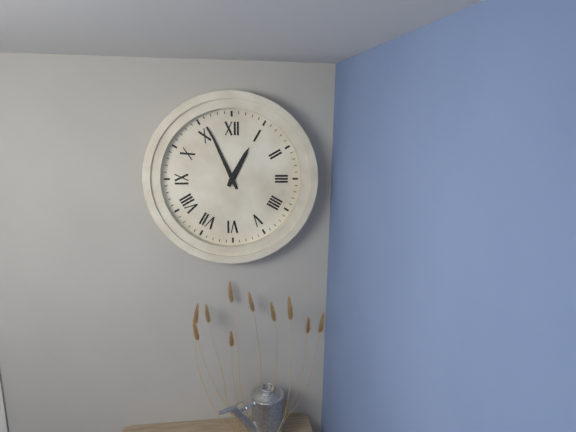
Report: 12:56
